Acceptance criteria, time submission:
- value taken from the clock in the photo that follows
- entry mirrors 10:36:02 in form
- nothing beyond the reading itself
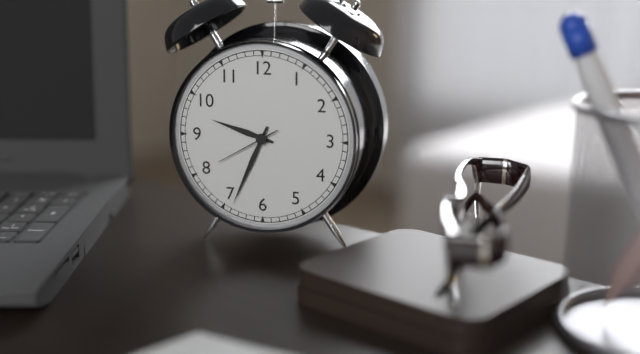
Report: 9:34:40
